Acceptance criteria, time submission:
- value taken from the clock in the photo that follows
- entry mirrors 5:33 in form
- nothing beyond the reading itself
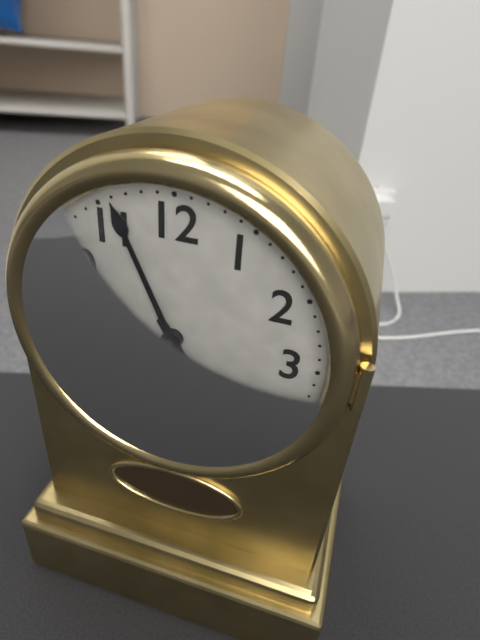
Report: 4:56
